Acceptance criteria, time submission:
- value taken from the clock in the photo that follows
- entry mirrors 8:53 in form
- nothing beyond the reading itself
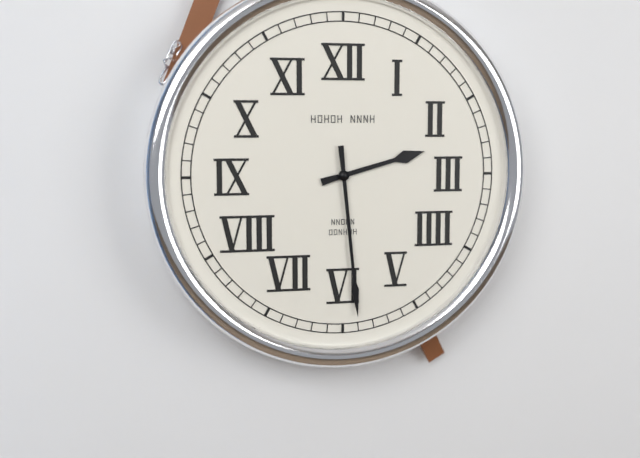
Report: 2:29
